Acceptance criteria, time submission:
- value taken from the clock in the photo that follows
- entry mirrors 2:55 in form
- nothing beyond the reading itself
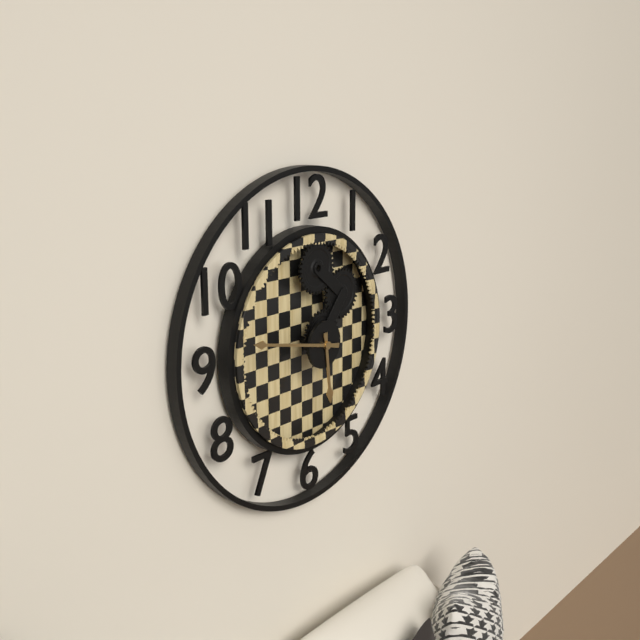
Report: 5:47
